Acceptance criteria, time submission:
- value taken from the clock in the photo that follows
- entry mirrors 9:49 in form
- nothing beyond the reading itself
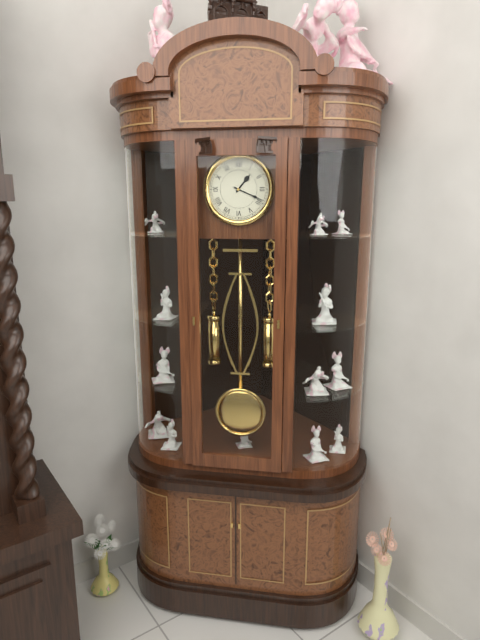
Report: 1:19
